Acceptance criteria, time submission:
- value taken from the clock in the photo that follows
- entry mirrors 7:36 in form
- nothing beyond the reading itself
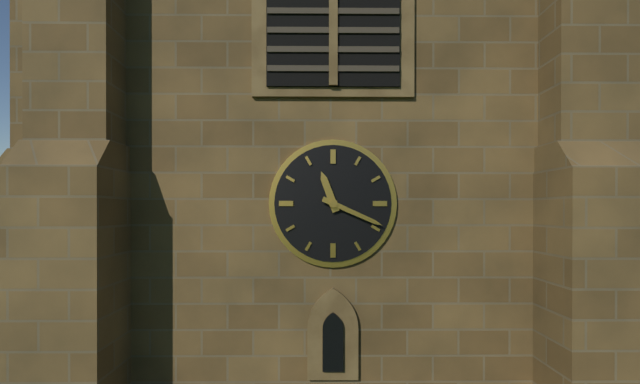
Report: 11:19
